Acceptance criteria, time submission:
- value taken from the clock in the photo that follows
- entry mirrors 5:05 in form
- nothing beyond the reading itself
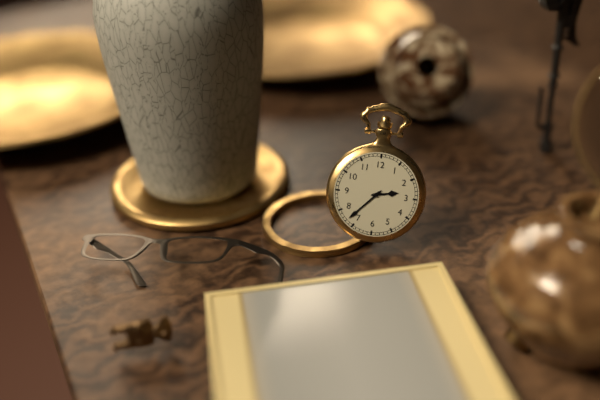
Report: 2:37
